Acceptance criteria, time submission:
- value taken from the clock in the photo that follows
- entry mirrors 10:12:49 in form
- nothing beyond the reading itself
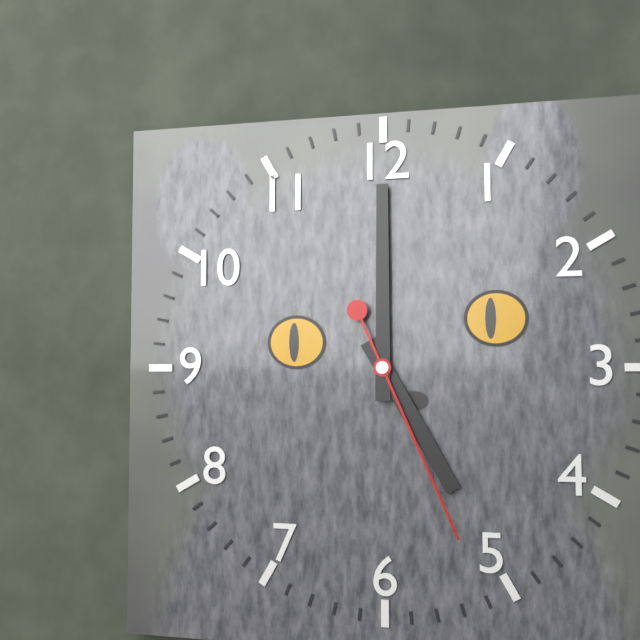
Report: 5:00:26
